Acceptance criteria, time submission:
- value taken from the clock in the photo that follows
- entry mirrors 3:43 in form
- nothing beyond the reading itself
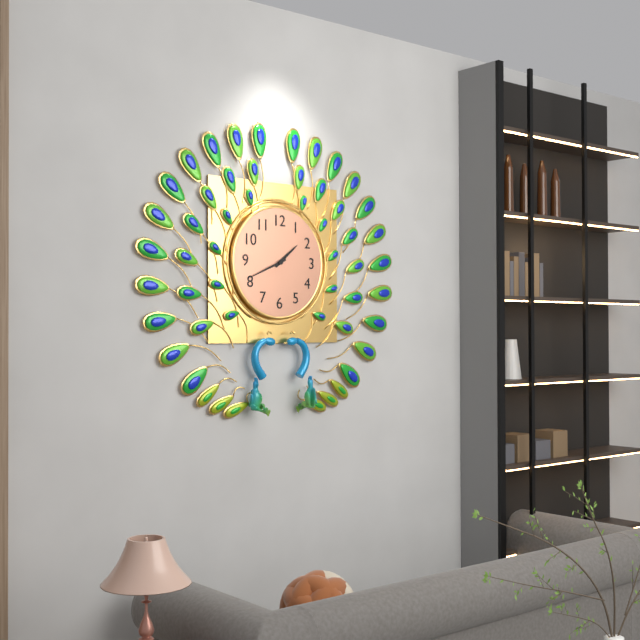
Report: 1:41
